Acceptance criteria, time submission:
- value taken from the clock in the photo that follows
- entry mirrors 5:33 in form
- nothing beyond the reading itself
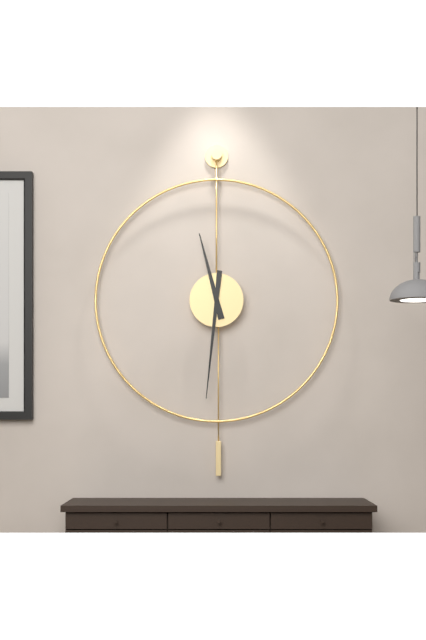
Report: 11:31
